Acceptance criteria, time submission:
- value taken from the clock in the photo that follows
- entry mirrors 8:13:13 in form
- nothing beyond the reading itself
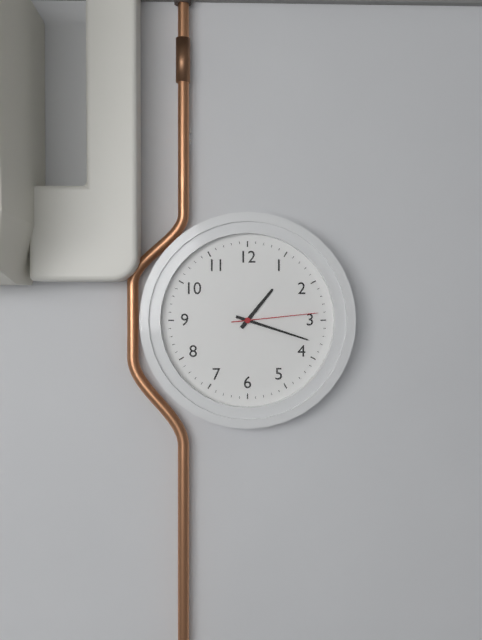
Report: 1:18:14
